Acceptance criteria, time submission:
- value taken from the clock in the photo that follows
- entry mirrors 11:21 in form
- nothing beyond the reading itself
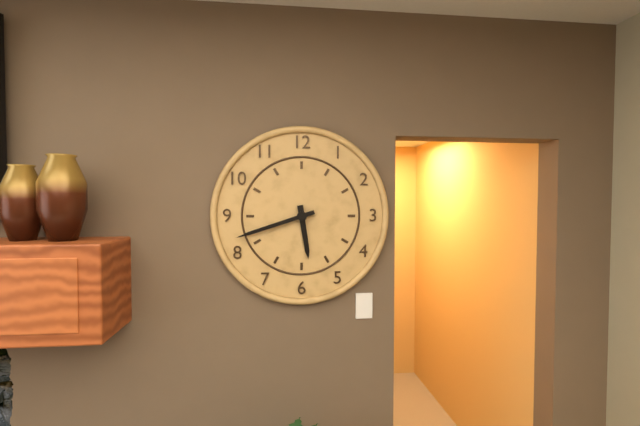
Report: 5:42
